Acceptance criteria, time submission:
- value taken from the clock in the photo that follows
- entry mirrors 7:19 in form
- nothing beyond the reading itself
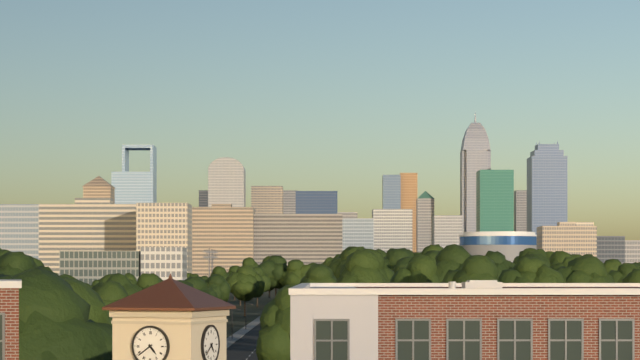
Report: 4:39
